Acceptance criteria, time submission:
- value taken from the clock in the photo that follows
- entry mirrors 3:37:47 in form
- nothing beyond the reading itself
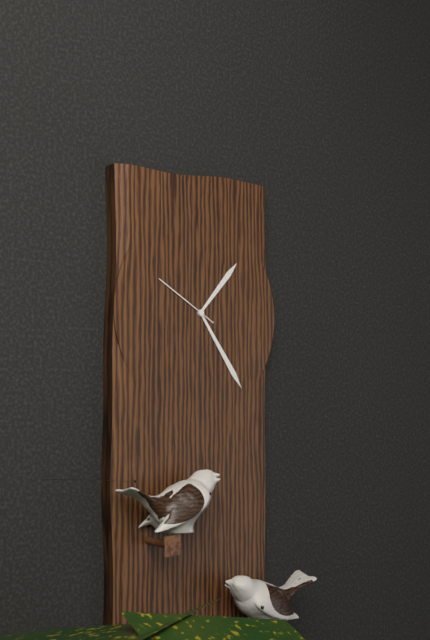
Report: 1:24:50
